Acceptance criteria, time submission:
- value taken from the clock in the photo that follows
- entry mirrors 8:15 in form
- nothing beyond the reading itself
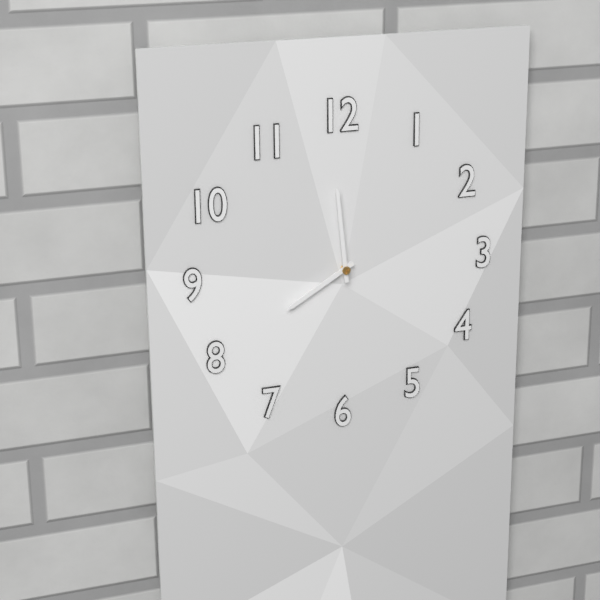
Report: 7:59
